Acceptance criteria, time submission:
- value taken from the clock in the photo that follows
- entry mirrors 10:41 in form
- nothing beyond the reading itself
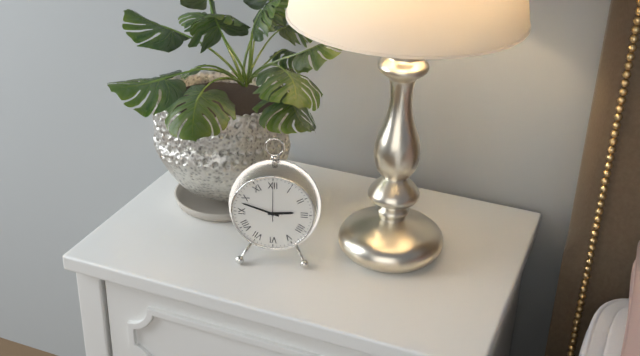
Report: 2:48
